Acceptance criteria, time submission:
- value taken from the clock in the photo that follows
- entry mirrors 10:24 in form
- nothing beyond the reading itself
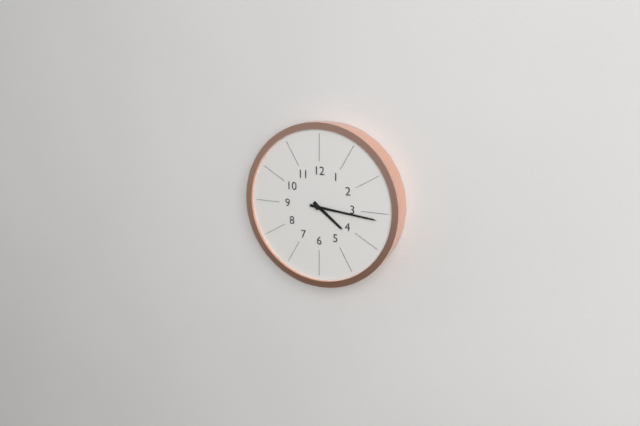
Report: 4:16
